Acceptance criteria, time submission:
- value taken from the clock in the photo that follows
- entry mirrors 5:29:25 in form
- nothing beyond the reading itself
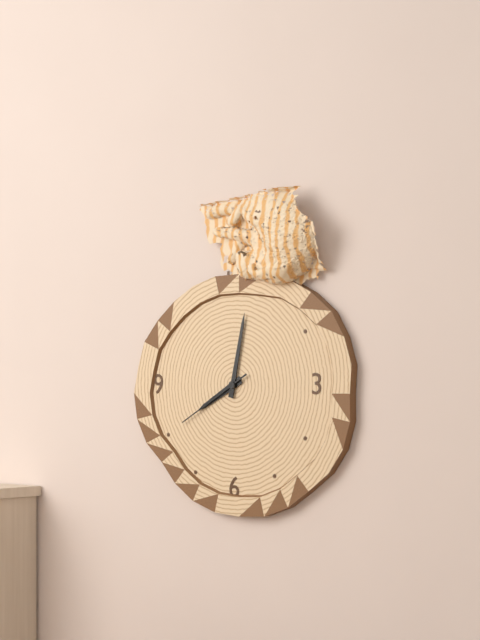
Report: 8:02:40
